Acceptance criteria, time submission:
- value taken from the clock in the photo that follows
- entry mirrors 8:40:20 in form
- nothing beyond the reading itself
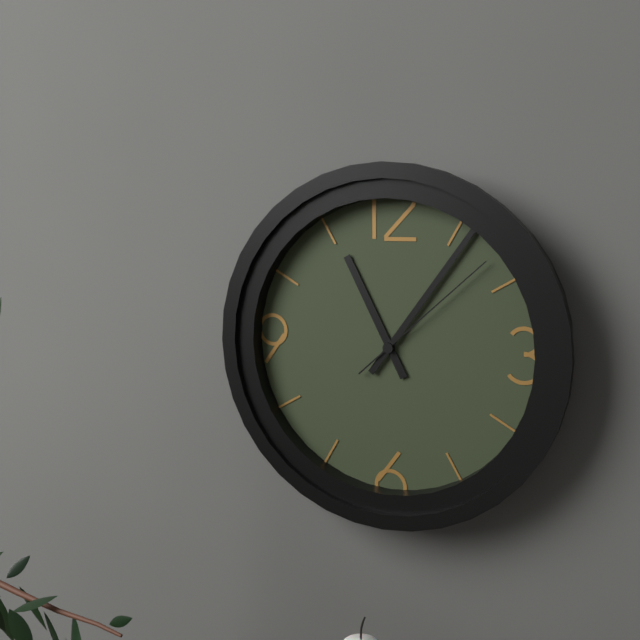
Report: 11:06:08
